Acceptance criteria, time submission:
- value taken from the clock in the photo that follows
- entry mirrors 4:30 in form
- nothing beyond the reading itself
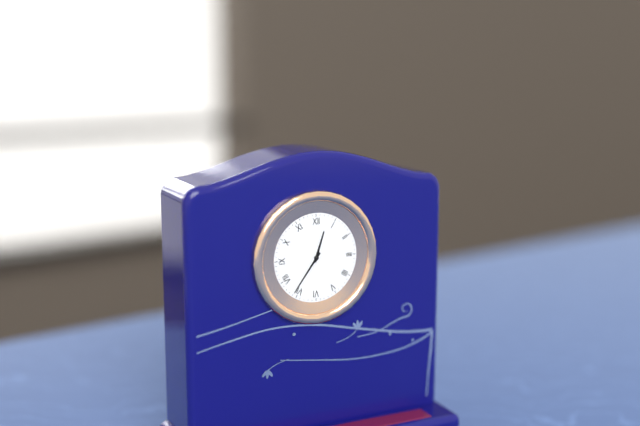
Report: 12:36
